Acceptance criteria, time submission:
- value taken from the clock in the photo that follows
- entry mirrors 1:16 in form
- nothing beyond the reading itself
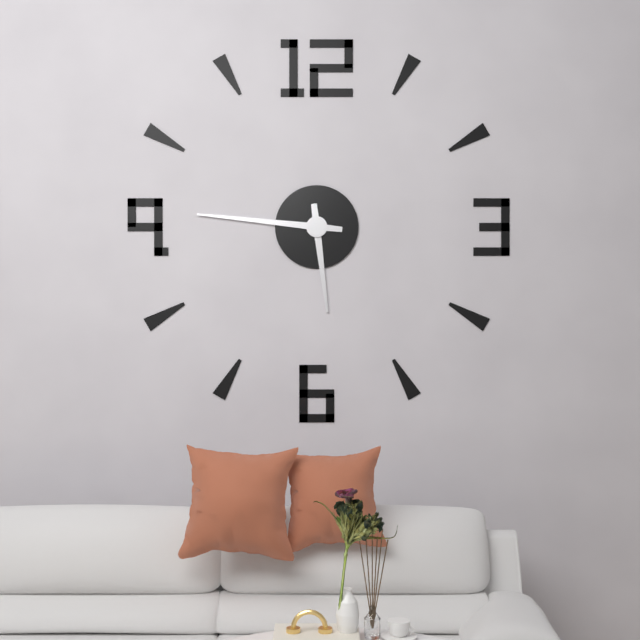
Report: 5:46
